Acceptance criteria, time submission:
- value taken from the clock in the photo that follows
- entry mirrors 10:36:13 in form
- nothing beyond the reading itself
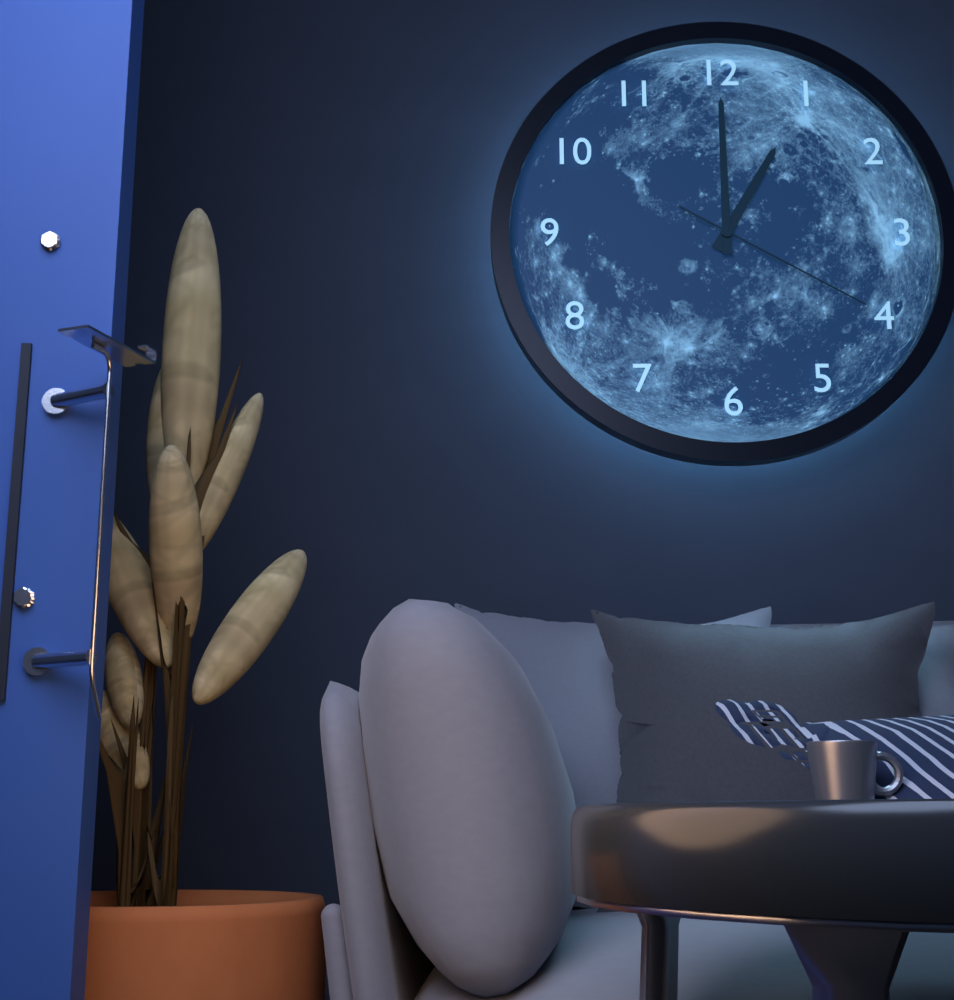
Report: 1:00:20
